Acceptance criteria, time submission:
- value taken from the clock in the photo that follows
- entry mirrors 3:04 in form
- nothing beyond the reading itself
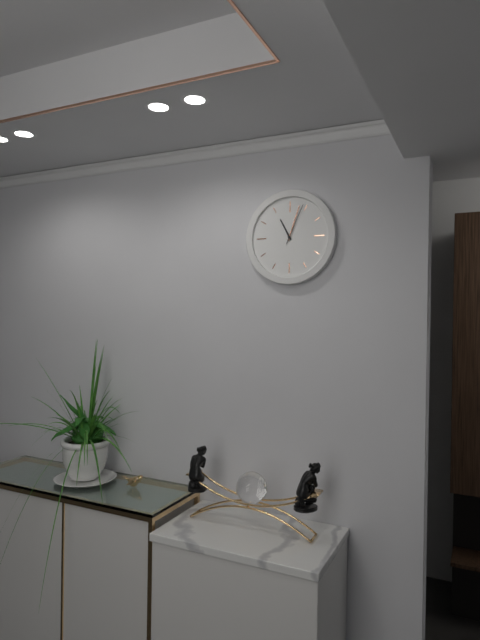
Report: 11:03
